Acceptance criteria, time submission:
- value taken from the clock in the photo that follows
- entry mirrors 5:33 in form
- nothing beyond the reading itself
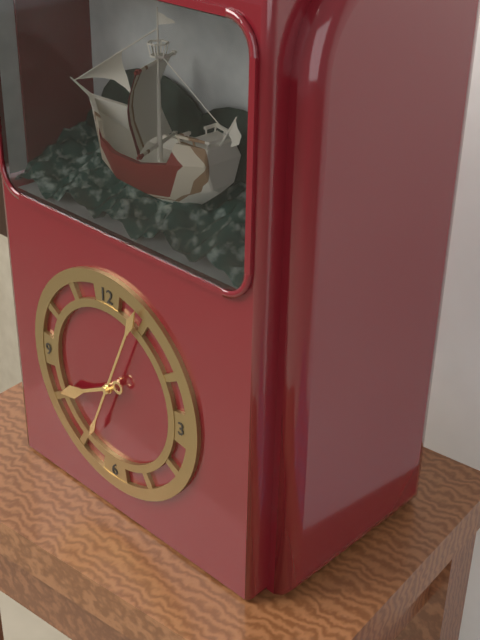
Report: 8:04
